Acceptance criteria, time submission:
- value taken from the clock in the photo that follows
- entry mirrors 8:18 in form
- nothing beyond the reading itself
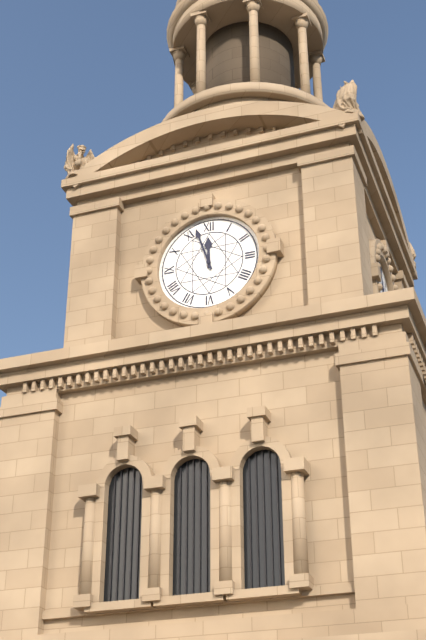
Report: 11:57
